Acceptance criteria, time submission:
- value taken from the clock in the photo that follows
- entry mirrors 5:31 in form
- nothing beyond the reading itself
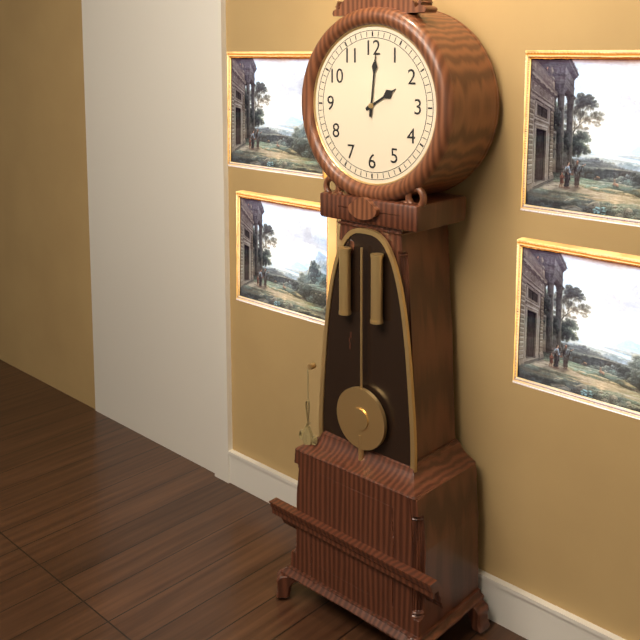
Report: 2:01
